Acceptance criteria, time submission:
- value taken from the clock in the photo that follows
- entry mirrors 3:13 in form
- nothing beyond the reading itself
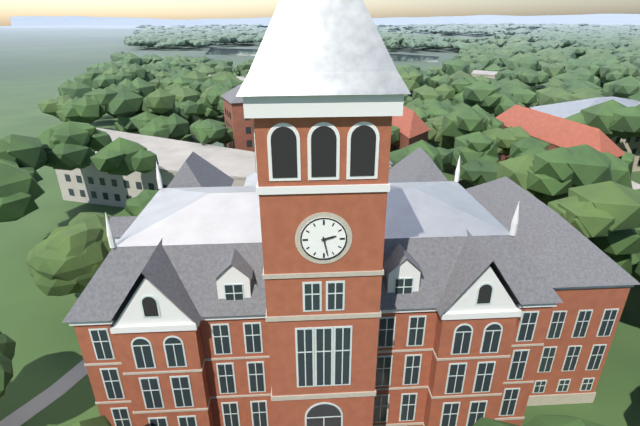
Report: 2:28
